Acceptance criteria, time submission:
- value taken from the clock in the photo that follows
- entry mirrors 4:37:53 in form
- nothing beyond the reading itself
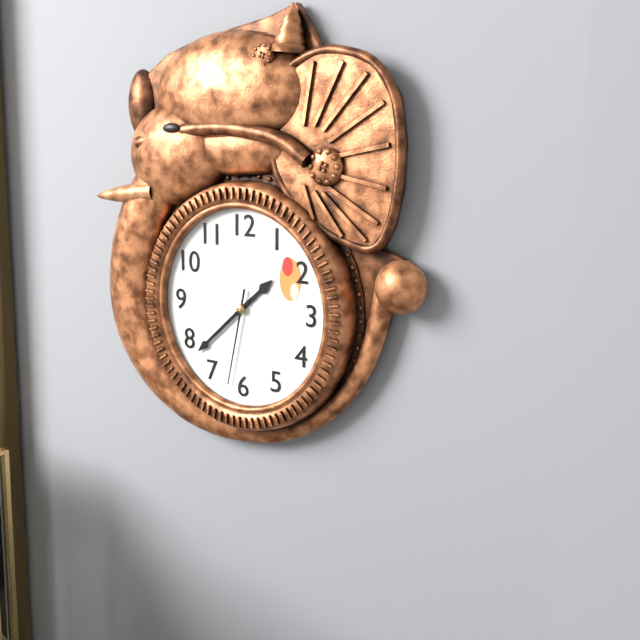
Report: 1:38:32
